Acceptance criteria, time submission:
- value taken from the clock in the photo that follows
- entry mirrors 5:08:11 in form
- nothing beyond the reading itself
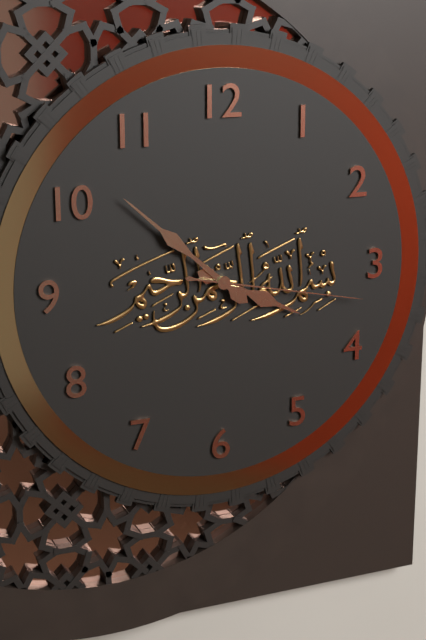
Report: 3:52:17
